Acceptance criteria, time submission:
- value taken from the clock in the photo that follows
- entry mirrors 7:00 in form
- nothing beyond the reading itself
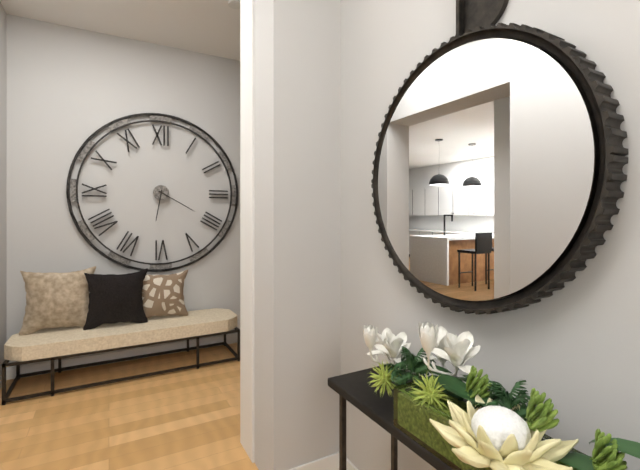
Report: 6:20
